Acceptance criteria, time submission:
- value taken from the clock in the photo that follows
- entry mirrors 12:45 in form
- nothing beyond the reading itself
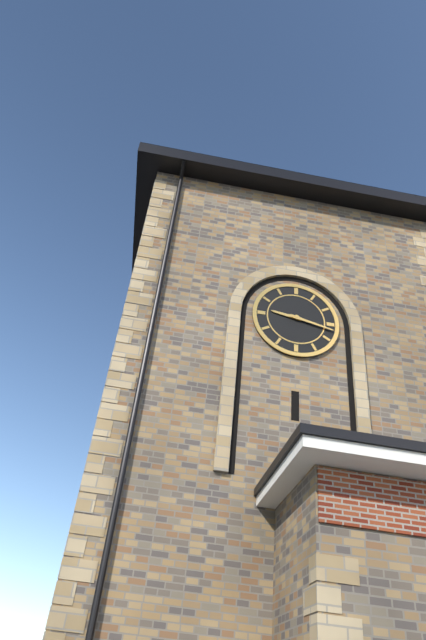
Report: 9:17
